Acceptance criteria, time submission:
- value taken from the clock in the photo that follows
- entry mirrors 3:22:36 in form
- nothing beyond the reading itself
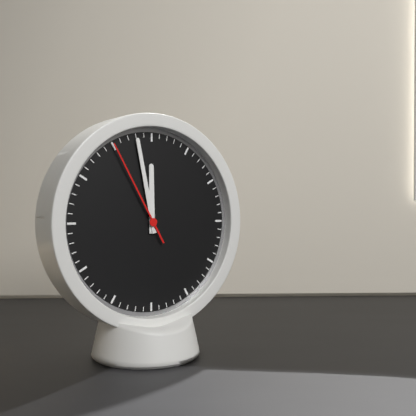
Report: 11:58:55
